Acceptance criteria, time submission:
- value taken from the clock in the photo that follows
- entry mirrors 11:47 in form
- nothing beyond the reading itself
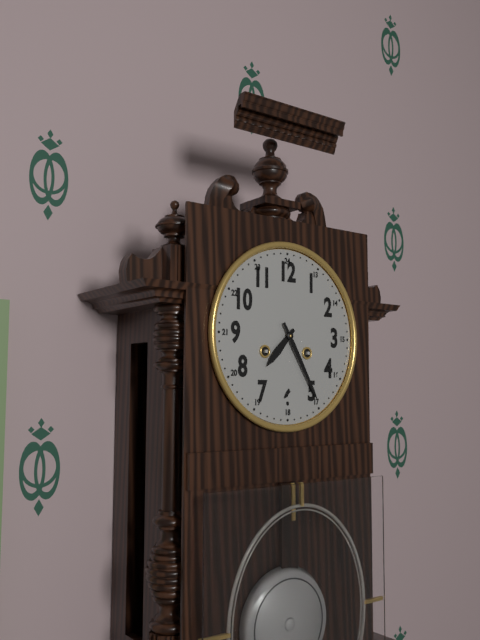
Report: 7:25
